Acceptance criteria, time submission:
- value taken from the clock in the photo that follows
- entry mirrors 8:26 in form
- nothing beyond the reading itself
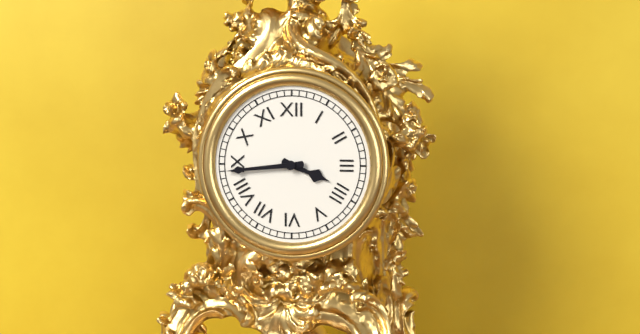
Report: 3:44
